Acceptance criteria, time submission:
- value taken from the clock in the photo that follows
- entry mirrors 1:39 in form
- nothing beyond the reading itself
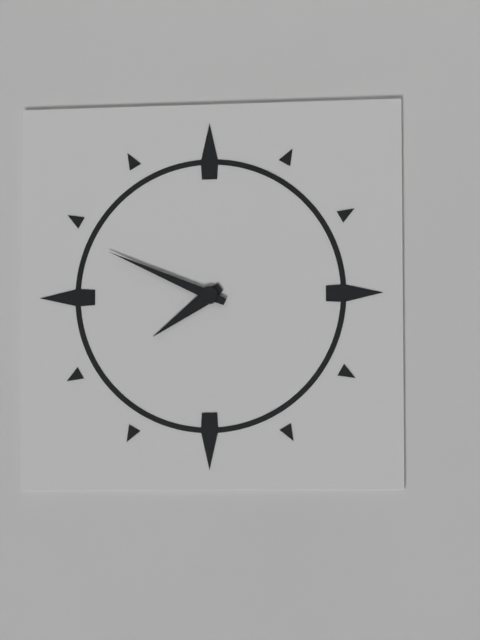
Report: 7:49
